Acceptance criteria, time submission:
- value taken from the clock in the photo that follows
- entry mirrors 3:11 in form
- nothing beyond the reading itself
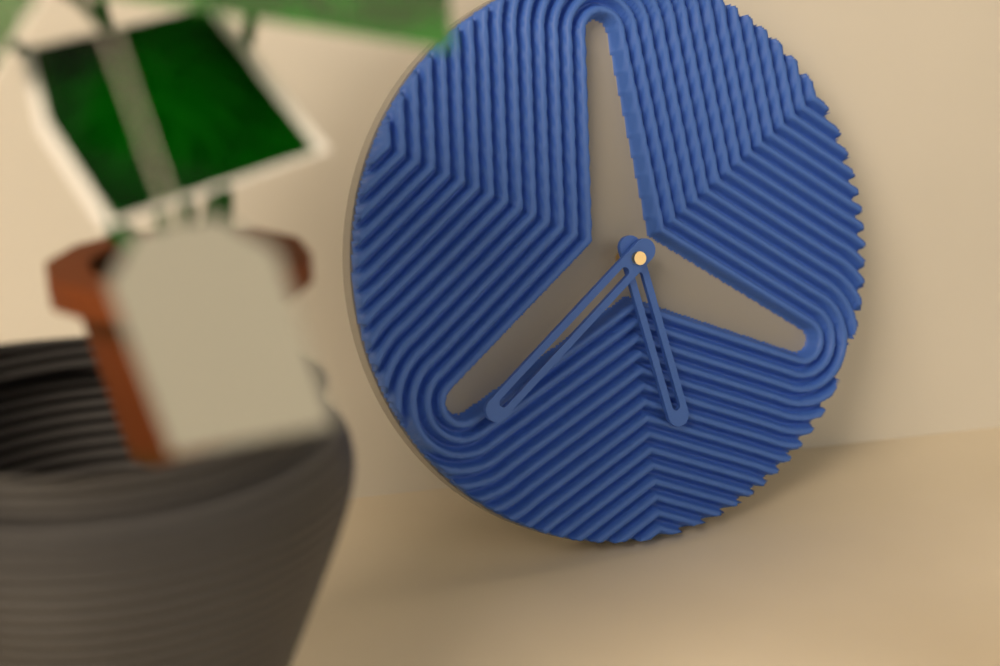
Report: 5:39
